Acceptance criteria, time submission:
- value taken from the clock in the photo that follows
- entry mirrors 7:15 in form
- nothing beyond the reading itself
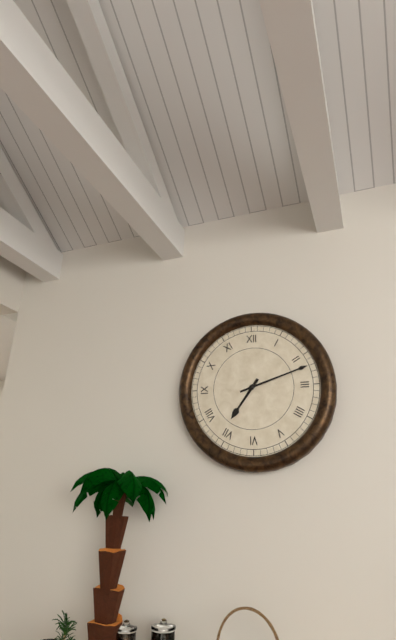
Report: 7:12
